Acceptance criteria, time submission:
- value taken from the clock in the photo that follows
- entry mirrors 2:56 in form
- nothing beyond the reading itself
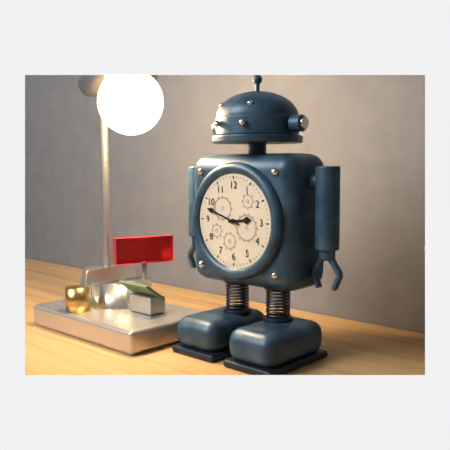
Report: 2:48
